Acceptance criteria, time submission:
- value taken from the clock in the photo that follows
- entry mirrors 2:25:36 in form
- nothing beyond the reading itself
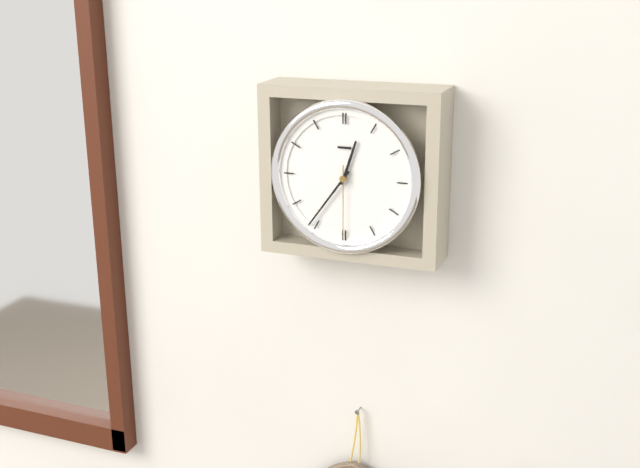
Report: 12:36:30
